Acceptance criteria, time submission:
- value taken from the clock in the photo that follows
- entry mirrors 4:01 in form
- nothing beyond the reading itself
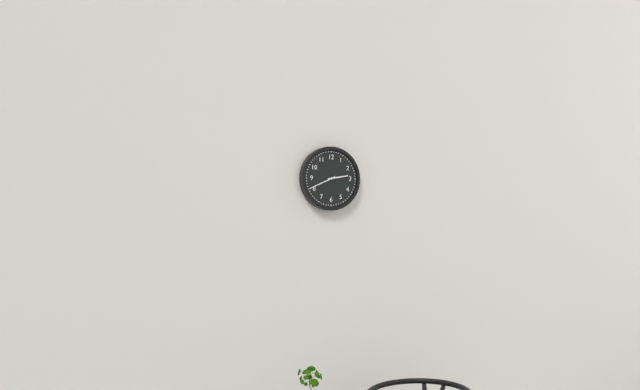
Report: 2:41
